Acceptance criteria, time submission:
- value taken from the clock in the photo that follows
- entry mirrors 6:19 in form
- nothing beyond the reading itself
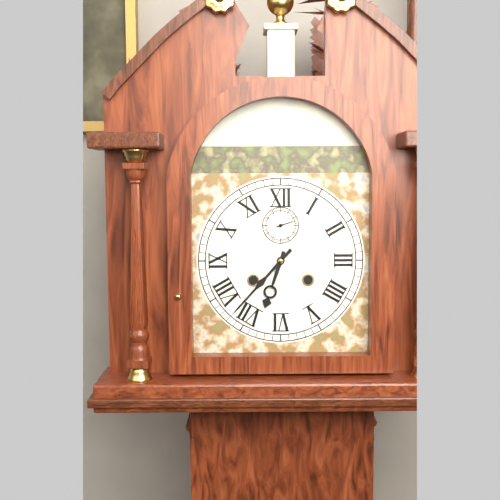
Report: 6:37
